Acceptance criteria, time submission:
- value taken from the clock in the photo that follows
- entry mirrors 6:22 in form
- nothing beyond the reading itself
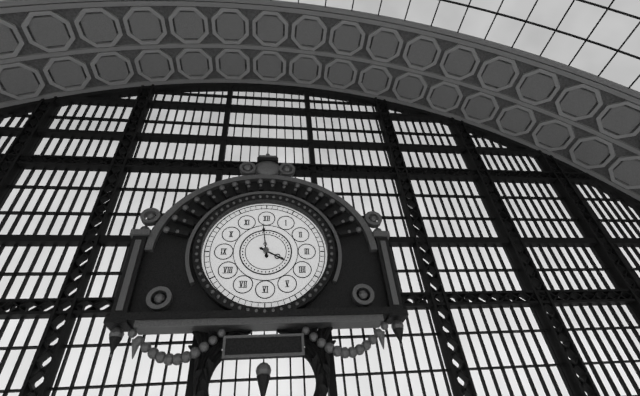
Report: 3:59
